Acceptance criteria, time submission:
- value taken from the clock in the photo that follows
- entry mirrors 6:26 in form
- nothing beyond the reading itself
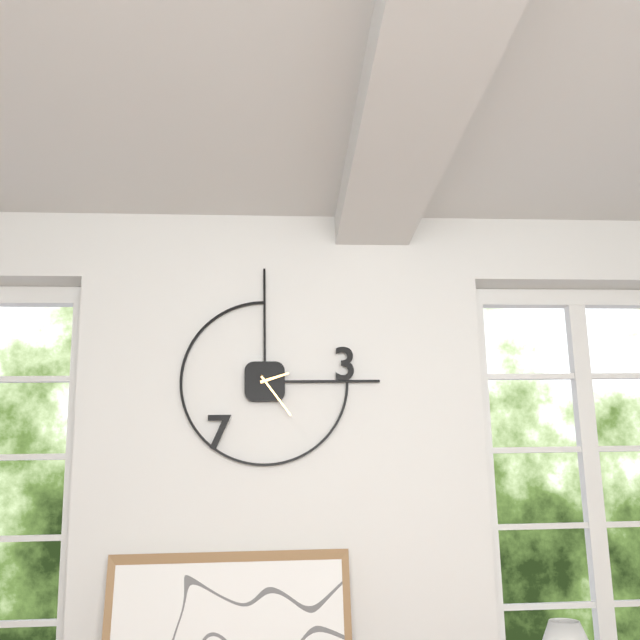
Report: 2:24
